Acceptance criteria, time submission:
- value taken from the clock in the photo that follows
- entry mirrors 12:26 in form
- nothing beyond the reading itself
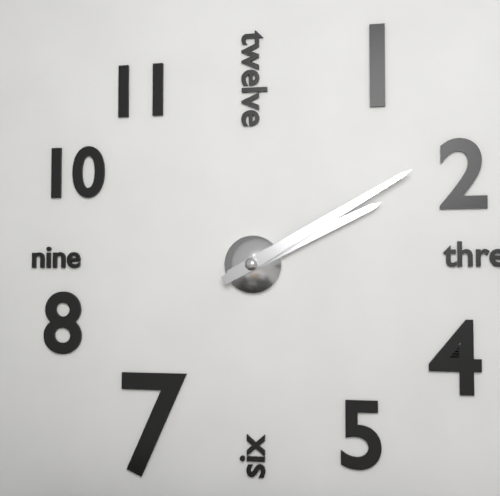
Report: 2:10
